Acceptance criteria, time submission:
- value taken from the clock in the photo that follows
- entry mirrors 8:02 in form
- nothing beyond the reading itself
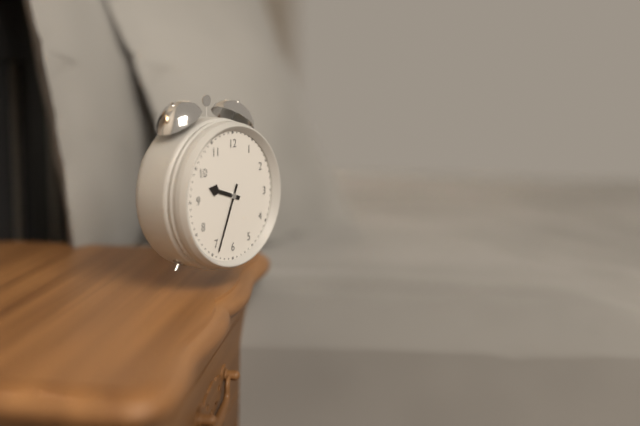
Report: 9:34
